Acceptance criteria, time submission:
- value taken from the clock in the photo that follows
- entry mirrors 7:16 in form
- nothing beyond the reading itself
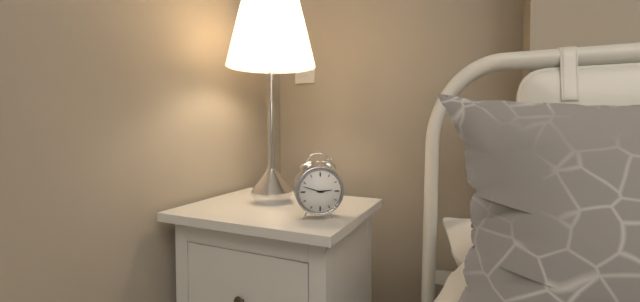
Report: 2:48
